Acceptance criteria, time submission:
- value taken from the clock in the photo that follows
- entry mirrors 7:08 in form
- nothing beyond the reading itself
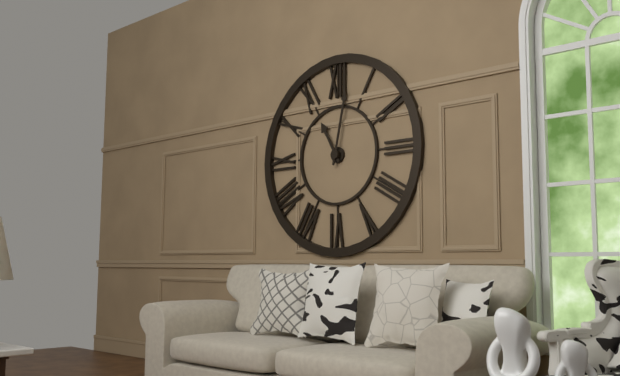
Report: 11:02
